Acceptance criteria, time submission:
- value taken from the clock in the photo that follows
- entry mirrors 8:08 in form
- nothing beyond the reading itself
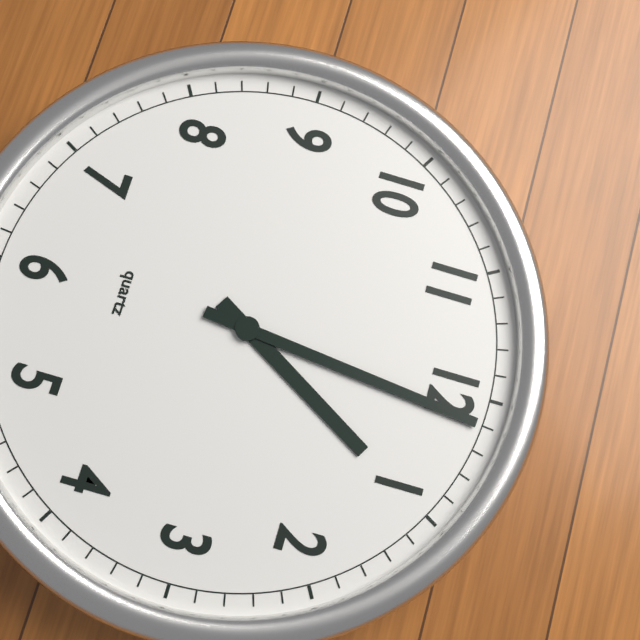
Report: 1:01
